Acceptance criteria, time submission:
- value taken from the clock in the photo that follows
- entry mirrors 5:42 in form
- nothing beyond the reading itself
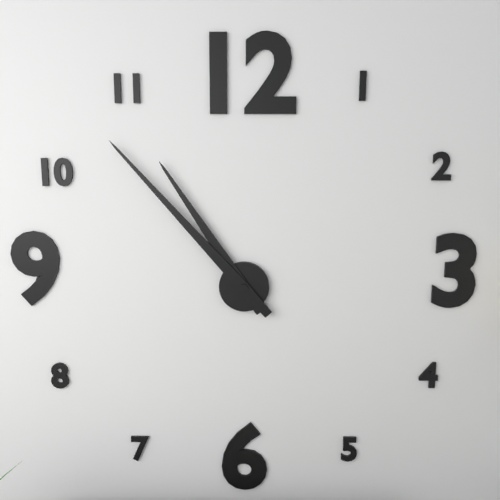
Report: 10:53
